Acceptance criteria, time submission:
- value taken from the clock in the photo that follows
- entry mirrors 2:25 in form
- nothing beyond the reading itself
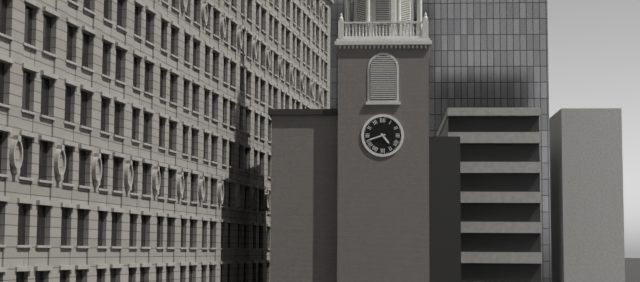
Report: 4:42
